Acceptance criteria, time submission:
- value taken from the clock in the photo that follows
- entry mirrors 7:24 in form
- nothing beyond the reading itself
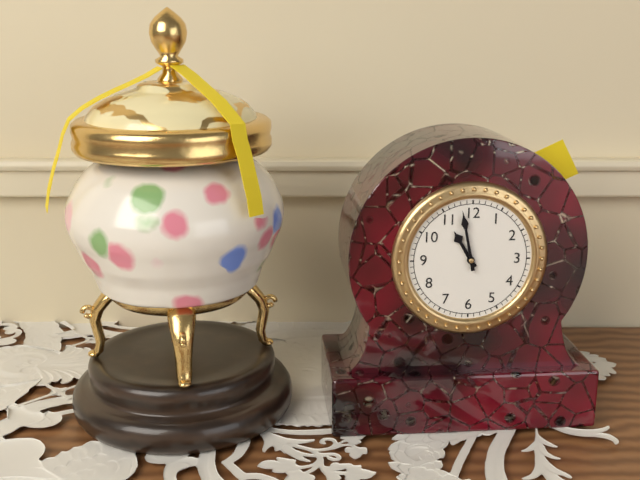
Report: 10:58
